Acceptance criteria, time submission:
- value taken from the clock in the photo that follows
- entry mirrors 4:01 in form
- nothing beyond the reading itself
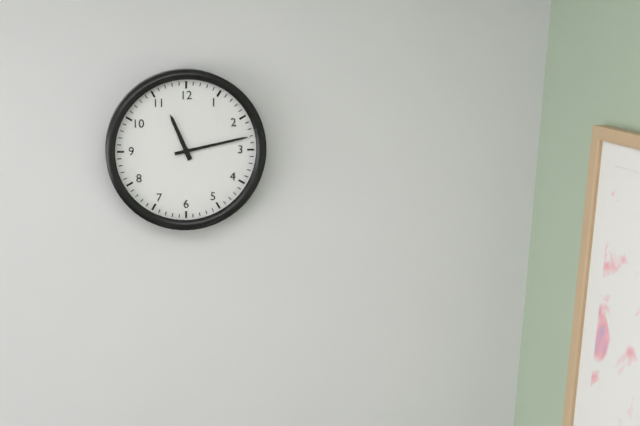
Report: 11:13
